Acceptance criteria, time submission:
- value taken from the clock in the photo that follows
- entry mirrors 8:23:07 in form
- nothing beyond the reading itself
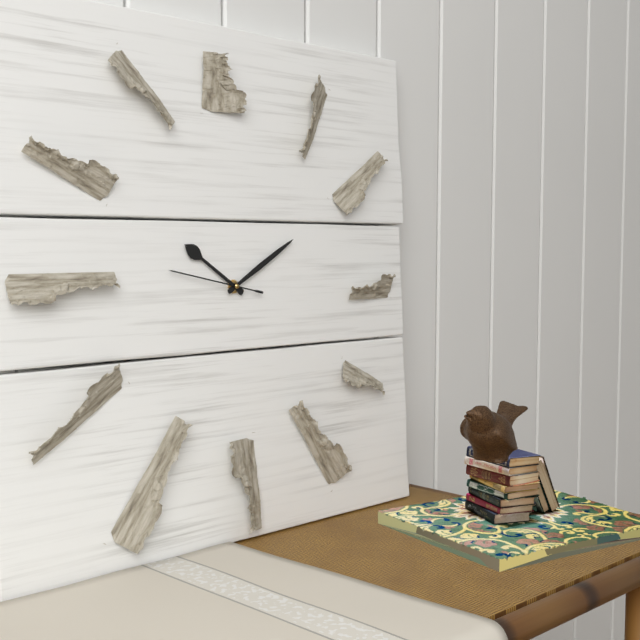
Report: 10:10:47
